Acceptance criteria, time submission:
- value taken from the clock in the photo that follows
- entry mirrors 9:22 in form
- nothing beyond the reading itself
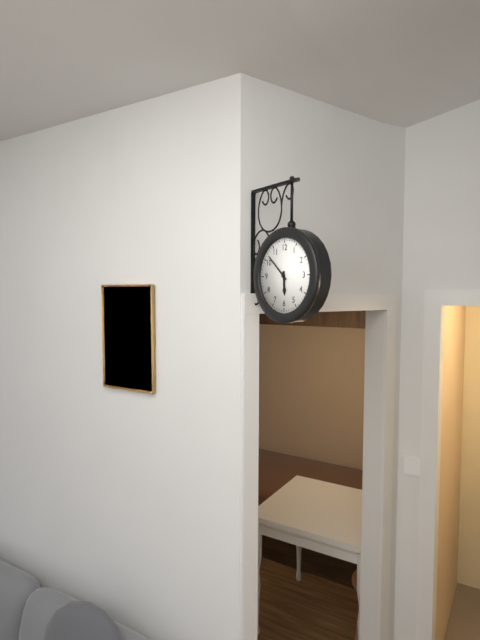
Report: 5:52
